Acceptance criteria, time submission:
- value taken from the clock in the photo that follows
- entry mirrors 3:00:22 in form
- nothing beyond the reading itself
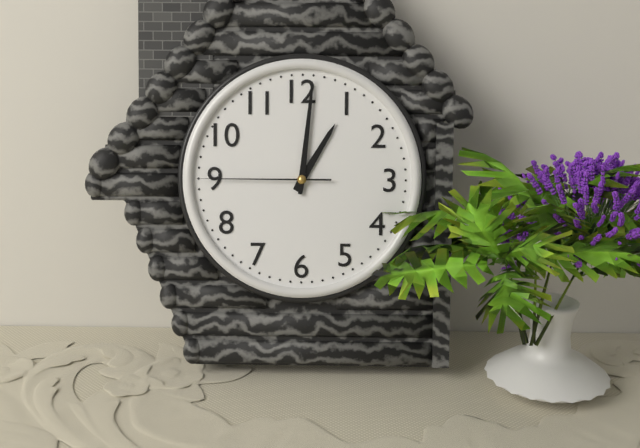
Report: 1:01:45
